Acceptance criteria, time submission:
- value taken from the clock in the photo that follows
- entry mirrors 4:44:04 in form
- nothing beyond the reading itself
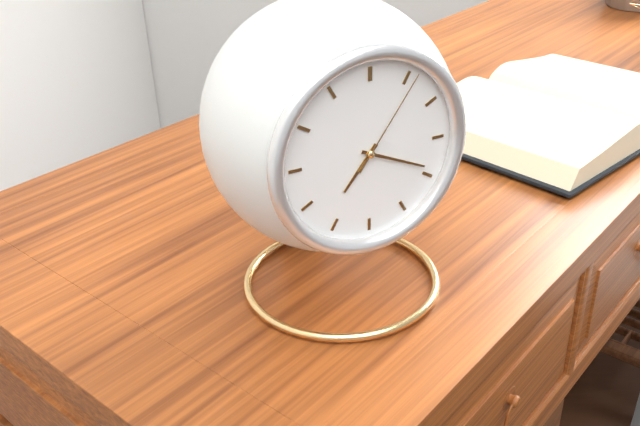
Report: 7:19:06
